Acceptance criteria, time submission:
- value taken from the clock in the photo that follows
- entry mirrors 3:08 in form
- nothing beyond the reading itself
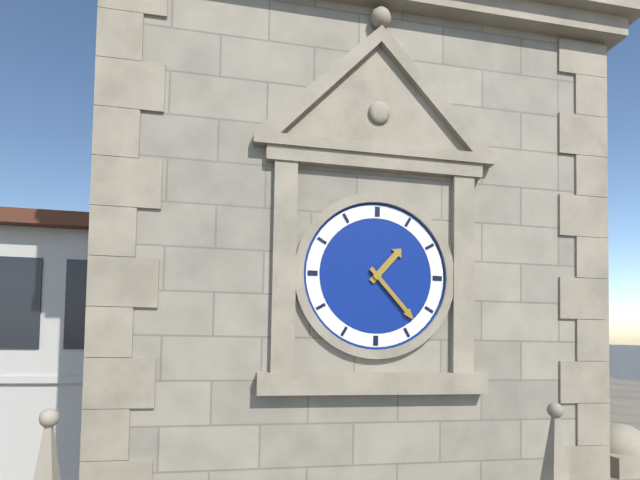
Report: 1:23
